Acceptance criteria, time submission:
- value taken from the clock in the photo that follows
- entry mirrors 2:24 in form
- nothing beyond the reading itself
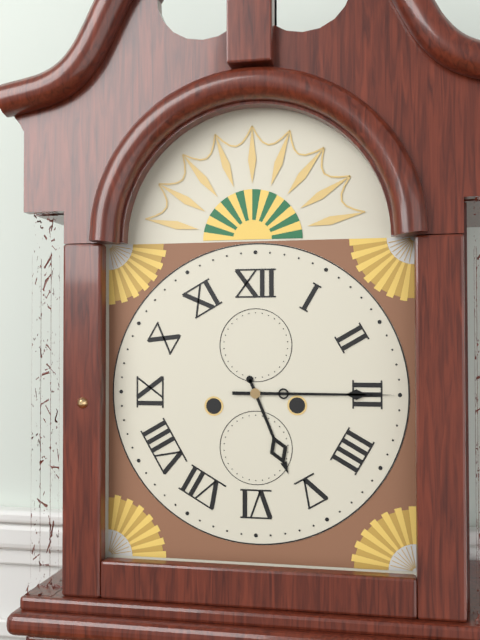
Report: 5:15
